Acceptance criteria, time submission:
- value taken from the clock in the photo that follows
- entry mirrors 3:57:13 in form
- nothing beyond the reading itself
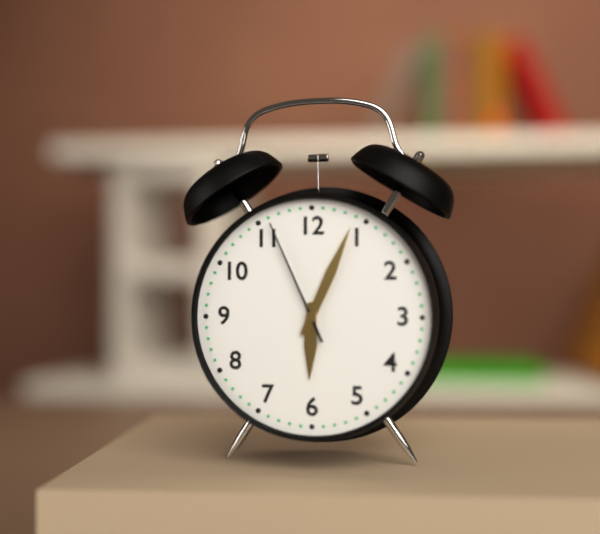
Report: 6:04:56
